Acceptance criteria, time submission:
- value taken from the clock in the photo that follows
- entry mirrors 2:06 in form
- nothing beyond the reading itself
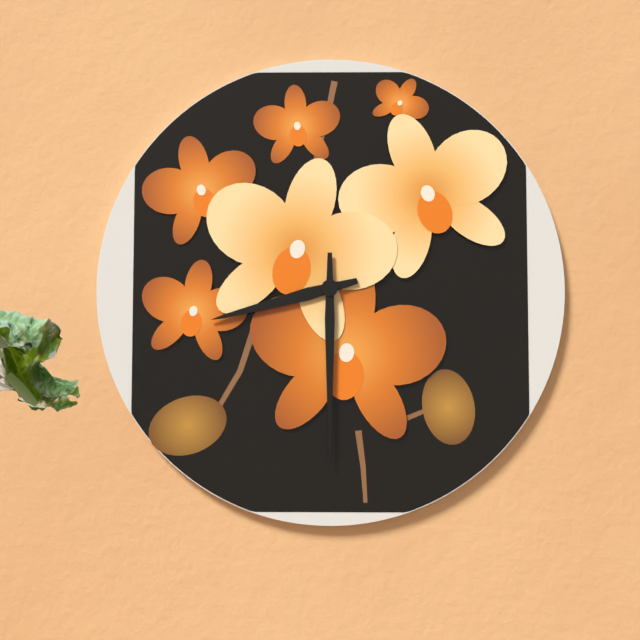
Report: 8:30
